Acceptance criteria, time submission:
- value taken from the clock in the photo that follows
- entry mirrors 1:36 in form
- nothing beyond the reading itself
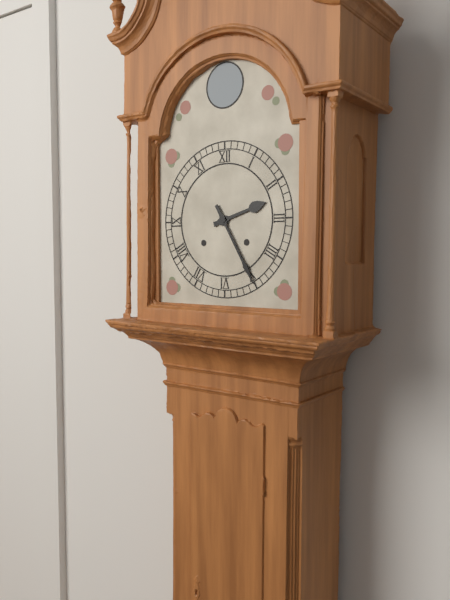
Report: 2:25
